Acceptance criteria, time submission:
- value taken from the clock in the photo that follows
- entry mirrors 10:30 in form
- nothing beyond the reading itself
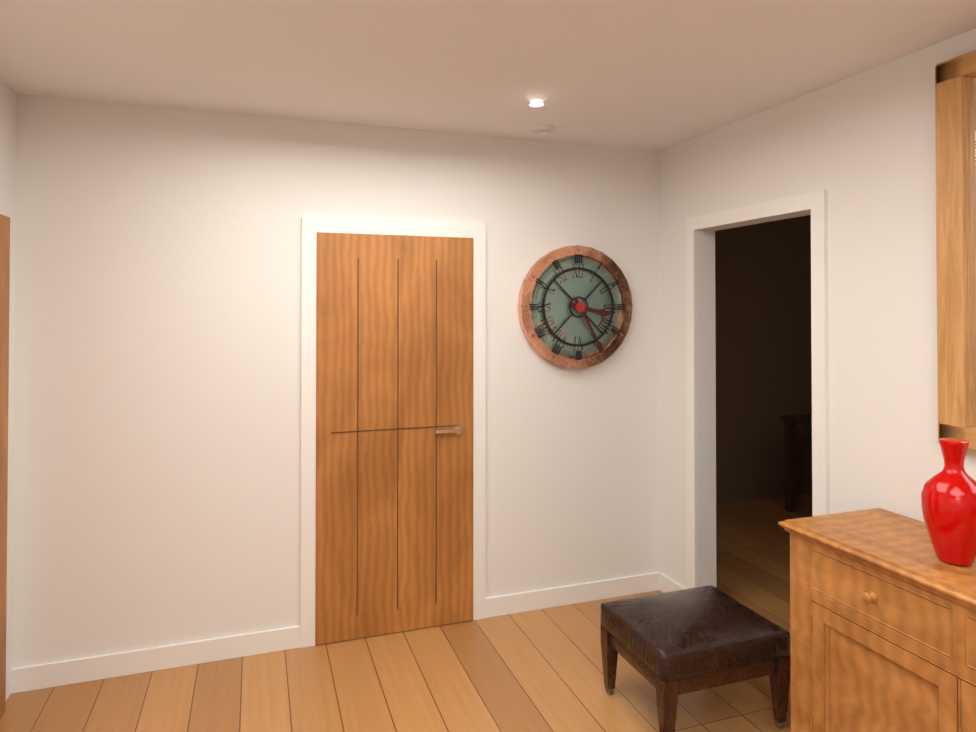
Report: 3:25
